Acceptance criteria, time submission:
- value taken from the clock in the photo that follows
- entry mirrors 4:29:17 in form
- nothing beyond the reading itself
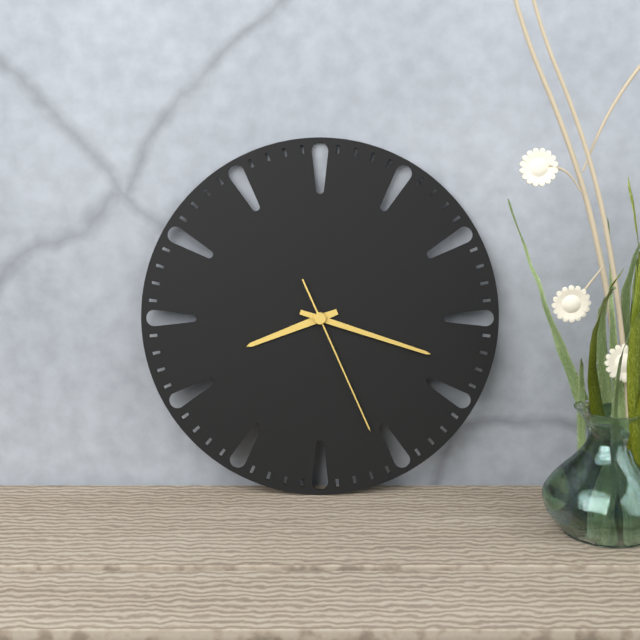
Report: 8:18:26
